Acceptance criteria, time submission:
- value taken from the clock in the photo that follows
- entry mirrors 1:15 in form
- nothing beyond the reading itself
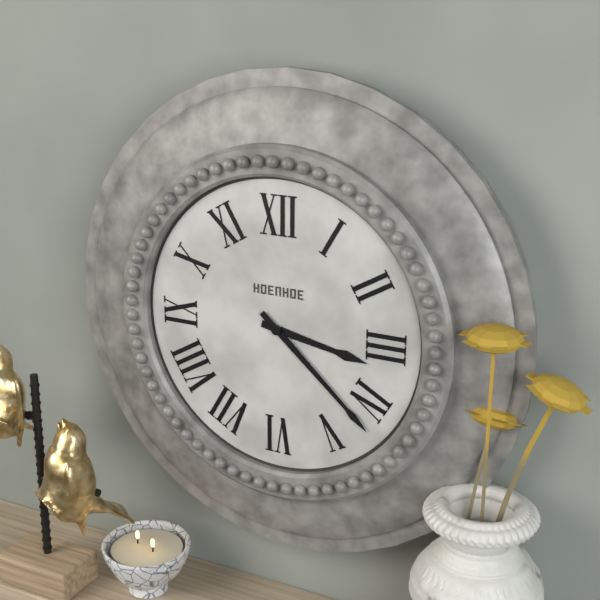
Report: 3:22
